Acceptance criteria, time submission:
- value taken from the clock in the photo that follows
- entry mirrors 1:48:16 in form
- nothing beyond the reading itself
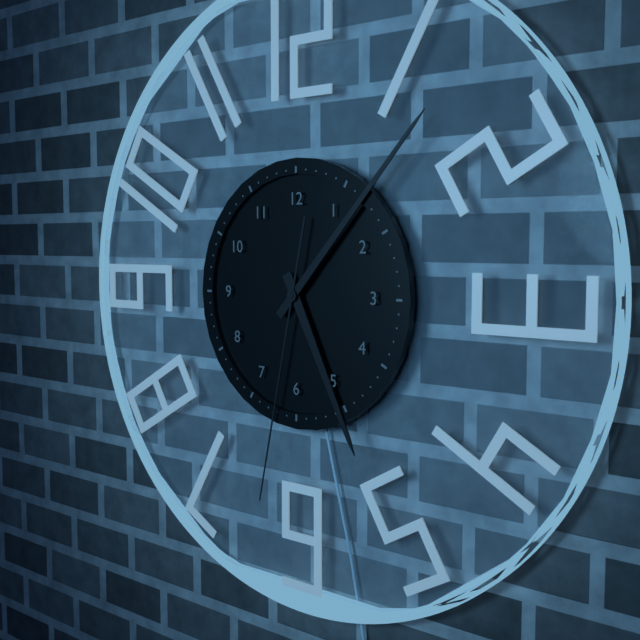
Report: 5:07:32
